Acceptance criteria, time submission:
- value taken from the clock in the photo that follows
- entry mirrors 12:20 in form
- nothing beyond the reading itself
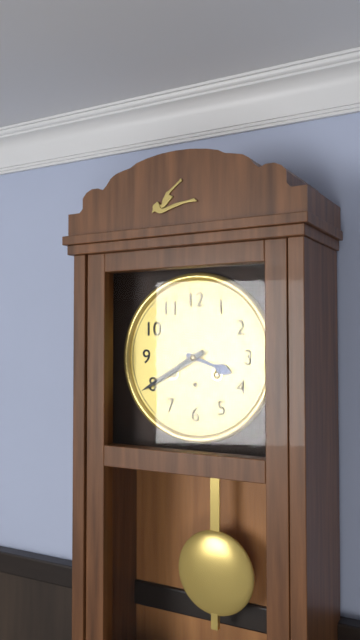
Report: 3:40
